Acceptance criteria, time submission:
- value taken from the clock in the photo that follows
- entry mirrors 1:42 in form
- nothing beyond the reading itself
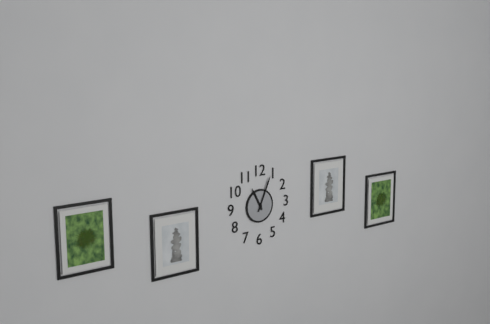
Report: 11:04
